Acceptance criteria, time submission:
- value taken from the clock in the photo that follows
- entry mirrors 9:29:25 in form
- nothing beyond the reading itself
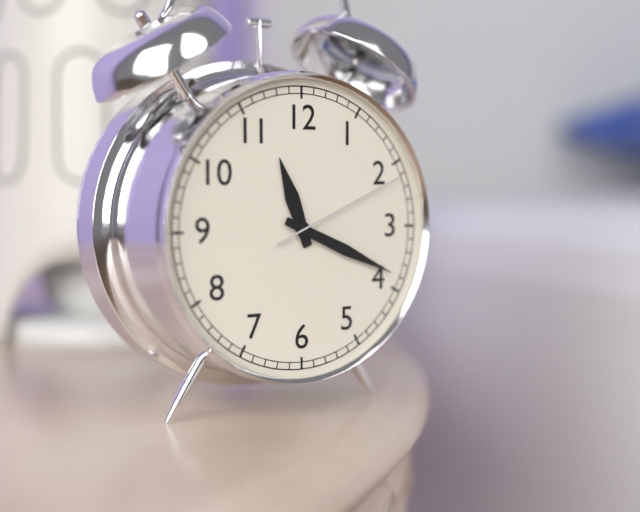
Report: 11:19:11
